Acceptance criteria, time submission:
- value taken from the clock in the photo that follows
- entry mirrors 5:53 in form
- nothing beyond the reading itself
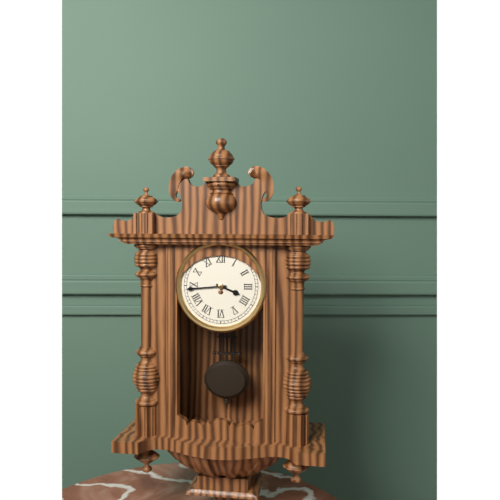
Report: 3:44
